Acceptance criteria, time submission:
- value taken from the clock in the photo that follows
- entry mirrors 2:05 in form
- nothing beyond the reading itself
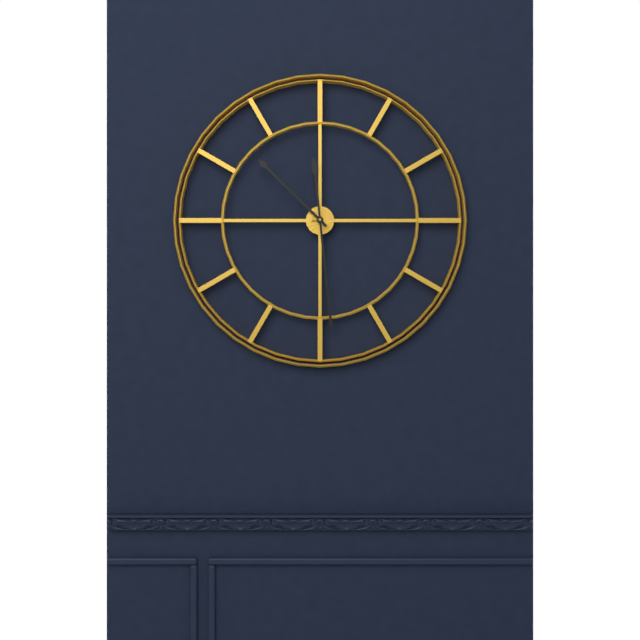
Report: 10:29
